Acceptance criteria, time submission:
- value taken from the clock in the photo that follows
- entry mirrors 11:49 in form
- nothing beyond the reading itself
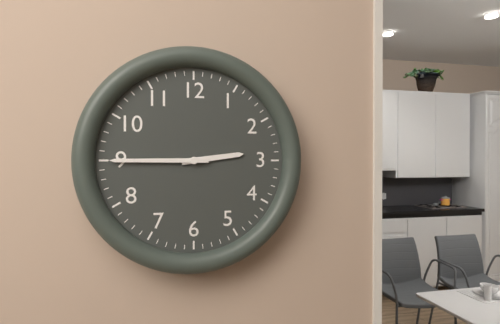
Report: 2:45
